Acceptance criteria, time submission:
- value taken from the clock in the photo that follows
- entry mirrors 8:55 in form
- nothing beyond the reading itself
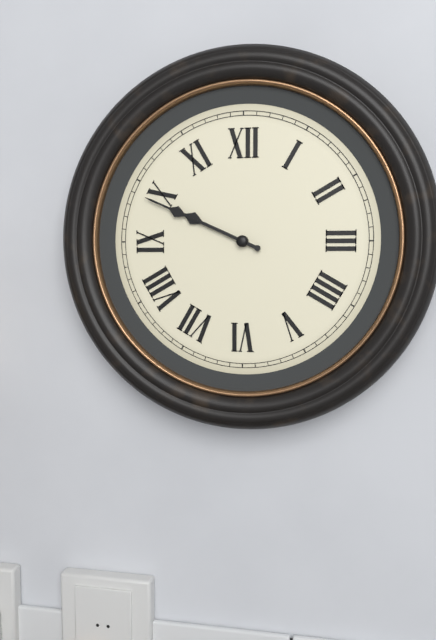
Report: 9:49
